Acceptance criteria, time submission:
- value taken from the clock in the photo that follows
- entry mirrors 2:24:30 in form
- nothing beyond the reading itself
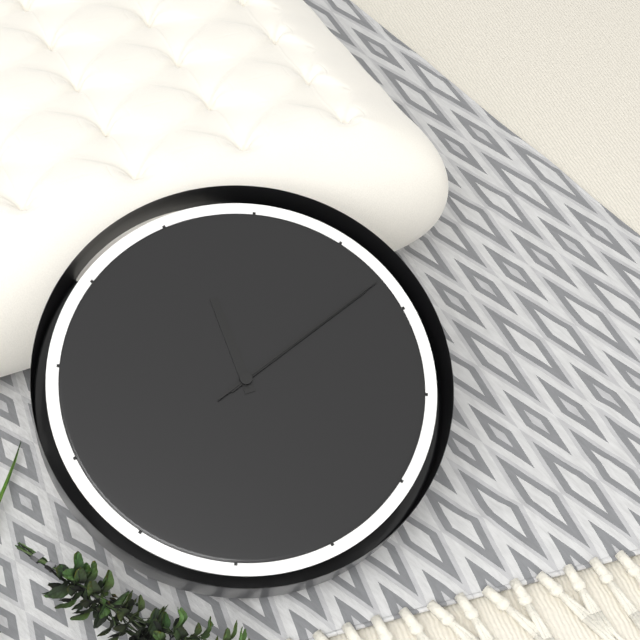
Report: 12:13:13
